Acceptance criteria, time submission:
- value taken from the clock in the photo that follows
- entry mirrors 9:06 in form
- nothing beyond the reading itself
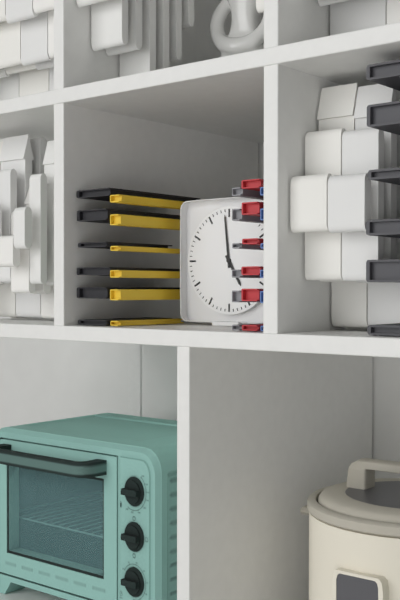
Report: 4:59
